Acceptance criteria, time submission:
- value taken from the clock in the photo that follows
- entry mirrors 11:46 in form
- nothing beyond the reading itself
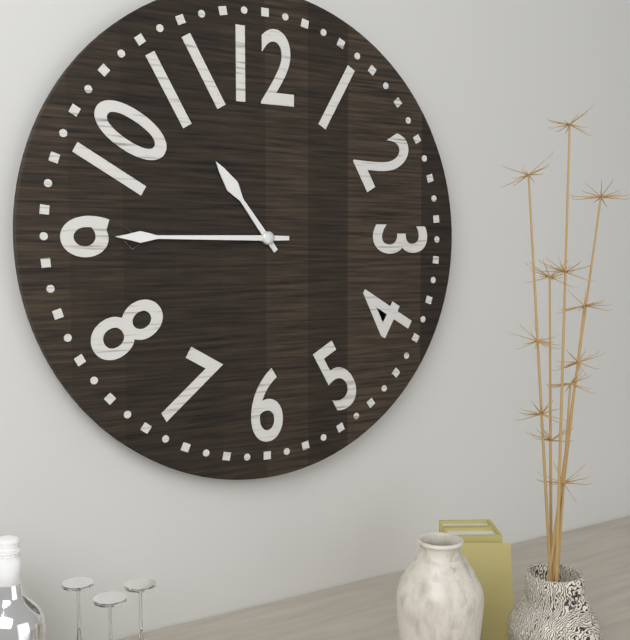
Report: 10:45
